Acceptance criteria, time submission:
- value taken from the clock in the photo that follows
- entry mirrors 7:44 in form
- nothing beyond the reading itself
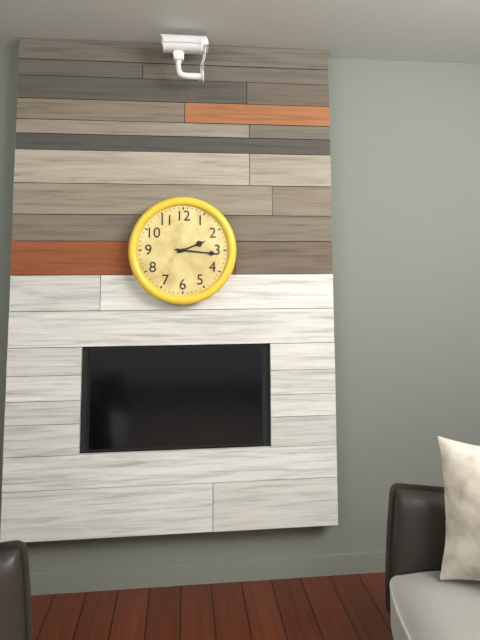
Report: 2:16
